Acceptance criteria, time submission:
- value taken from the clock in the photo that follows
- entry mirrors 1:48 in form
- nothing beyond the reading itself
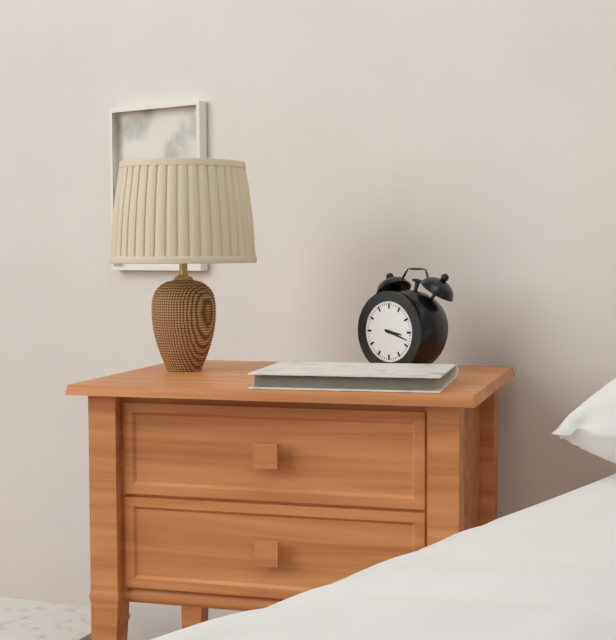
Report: 3:18
